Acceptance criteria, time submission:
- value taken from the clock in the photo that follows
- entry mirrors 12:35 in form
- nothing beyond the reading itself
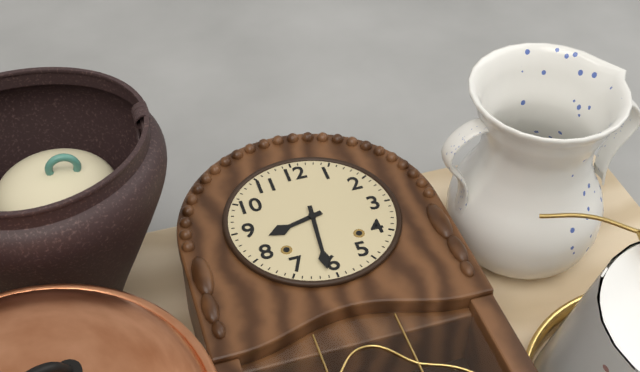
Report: 8:31
